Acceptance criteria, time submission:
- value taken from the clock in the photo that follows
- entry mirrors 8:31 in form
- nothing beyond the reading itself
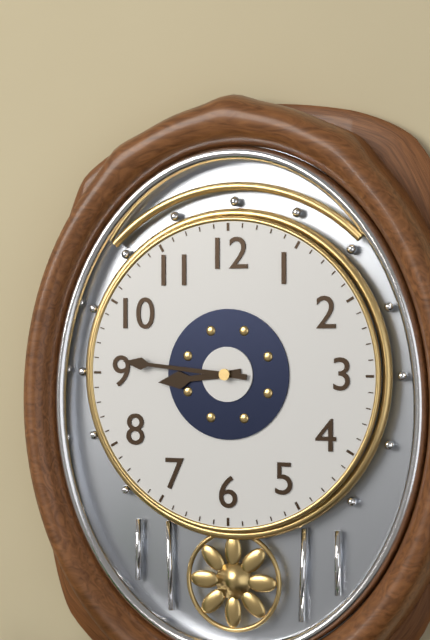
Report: 8:46
